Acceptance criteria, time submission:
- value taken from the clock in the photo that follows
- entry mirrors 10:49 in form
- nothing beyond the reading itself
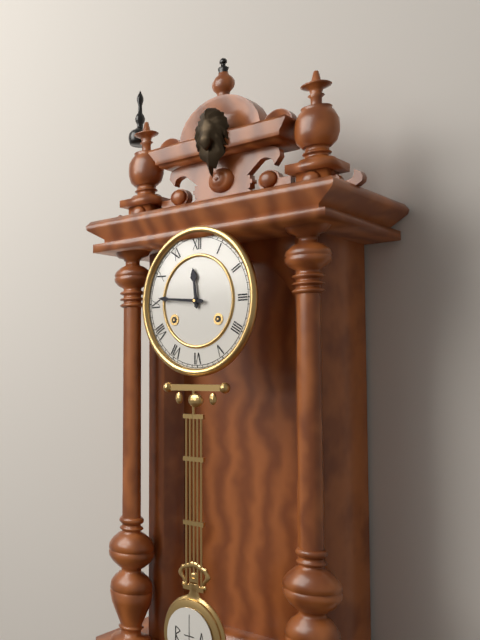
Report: 11:46
